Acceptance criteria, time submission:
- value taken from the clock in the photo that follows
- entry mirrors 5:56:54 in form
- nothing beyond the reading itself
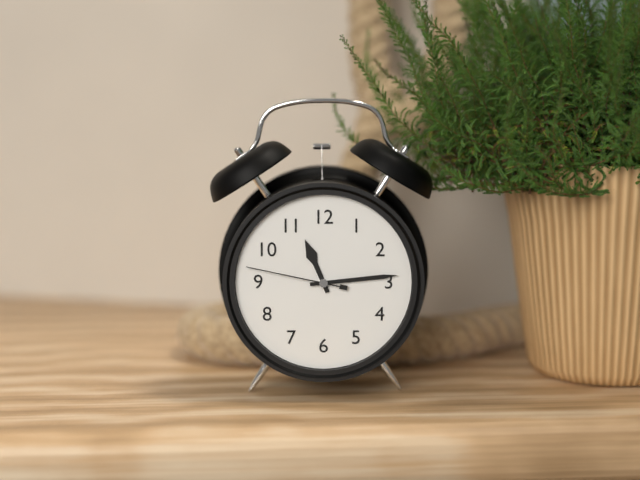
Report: 11:14:47
